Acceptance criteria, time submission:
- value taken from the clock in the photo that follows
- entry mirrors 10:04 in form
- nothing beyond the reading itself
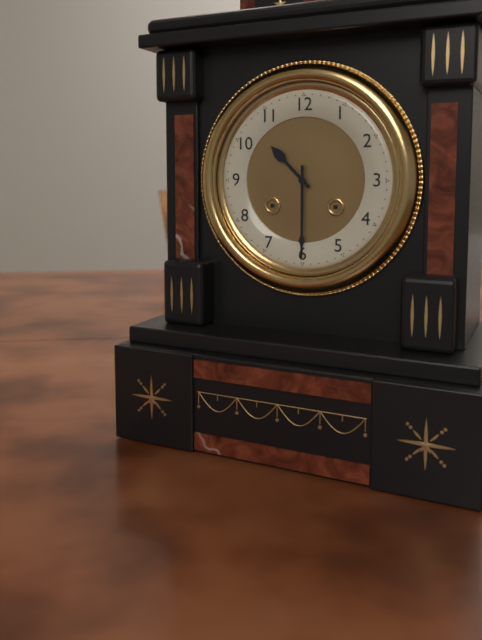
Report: 10:30
